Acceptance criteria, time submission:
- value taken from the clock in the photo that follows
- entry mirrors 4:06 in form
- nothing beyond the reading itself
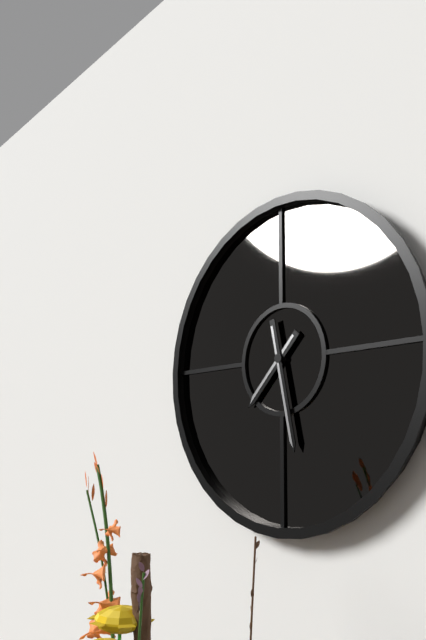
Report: 7:28
